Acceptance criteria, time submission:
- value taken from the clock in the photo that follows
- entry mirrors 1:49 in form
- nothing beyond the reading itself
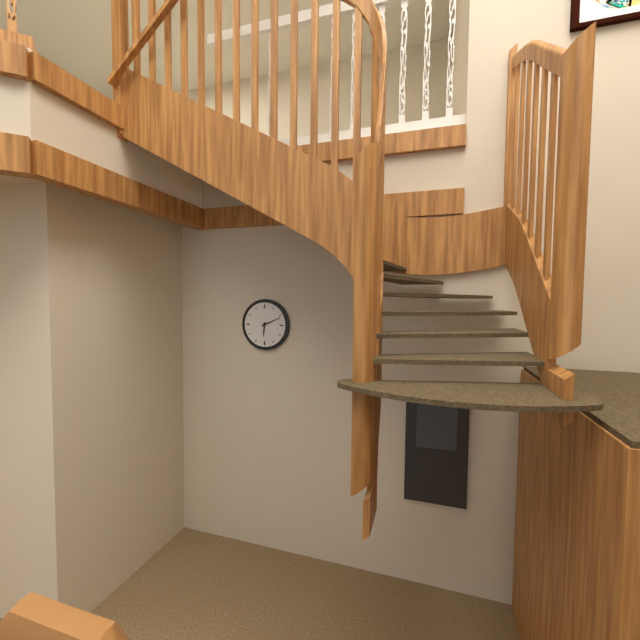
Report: 6:11
